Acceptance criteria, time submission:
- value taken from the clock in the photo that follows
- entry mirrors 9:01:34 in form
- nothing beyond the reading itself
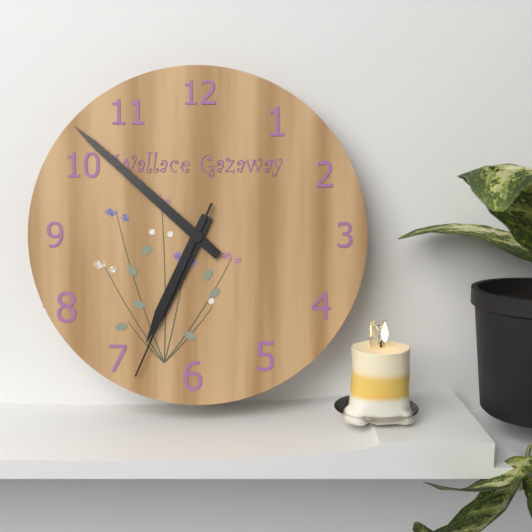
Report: 6:52:34
